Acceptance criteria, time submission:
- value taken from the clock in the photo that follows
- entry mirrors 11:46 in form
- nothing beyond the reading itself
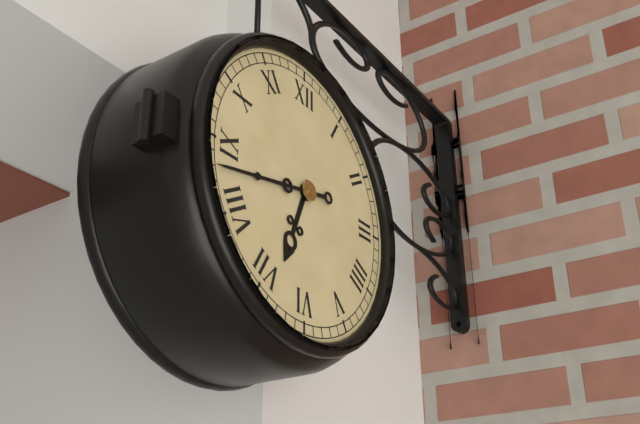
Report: 6:43
